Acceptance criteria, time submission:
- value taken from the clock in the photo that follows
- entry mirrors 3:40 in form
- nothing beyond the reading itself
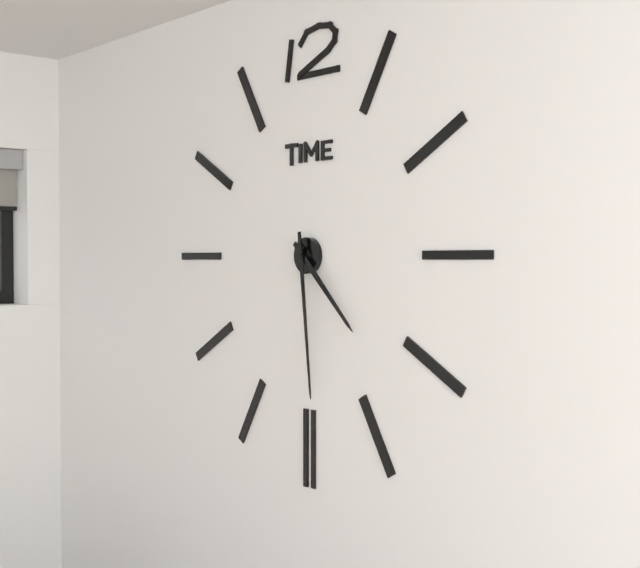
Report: 4:29
